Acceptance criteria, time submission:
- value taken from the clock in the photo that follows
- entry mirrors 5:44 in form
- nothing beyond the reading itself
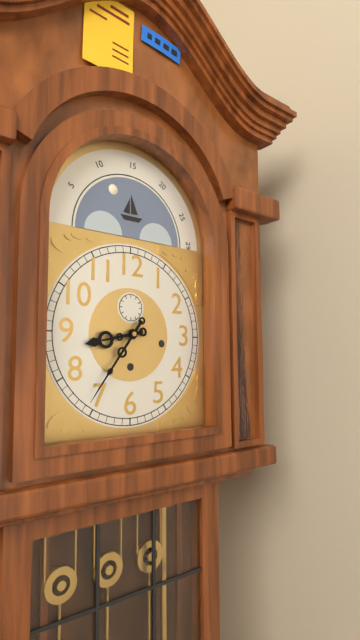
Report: 8:36
